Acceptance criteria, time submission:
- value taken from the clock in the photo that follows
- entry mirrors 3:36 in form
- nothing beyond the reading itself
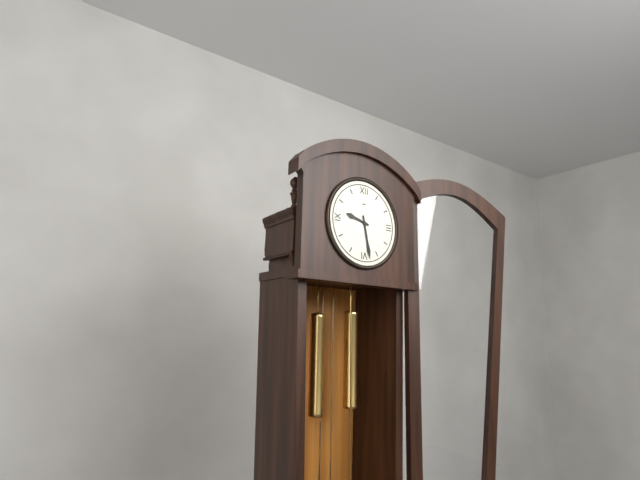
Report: 9:28
